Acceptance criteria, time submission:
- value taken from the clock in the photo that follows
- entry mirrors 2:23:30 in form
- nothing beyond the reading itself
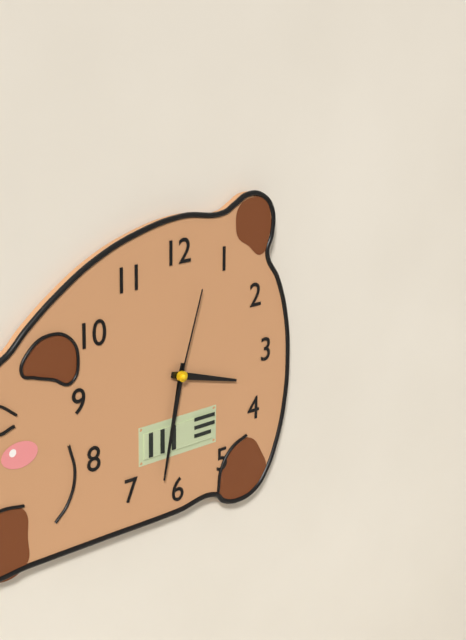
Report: 3:32:03
